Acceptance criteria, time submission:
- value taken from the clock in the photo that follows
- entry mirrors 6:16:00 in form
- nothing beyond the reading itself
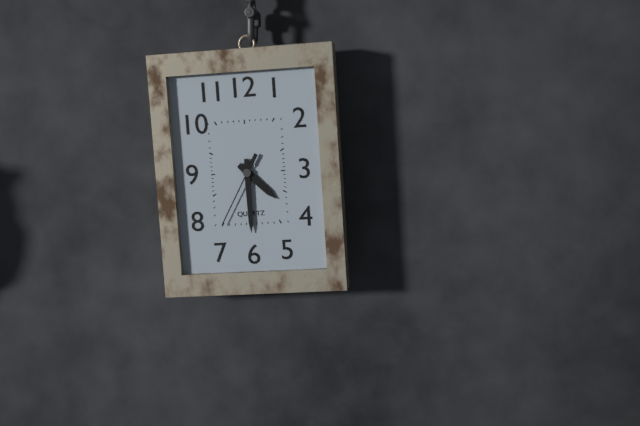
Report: 4:30:35
